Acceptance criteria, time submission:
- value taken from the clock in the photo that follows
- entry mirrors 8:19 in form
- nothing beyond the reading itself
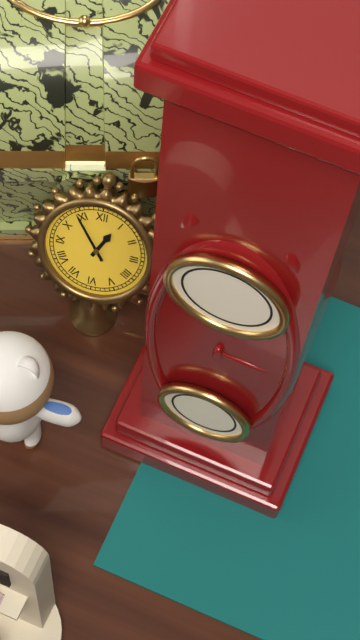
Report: 12:54
